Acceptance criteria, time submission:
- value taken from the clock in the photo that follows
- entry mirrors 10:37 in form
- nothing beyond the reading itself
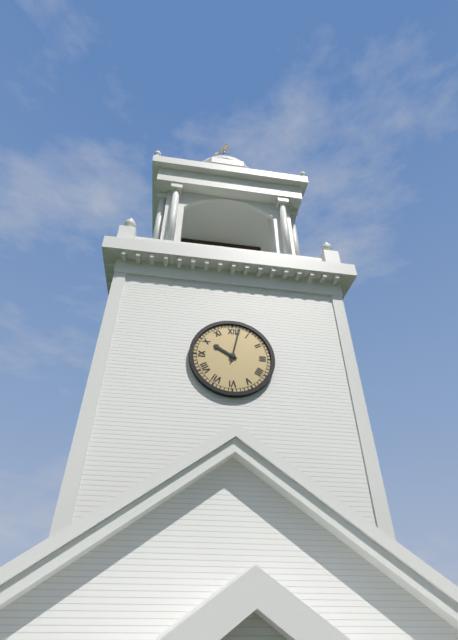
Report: 10:02
